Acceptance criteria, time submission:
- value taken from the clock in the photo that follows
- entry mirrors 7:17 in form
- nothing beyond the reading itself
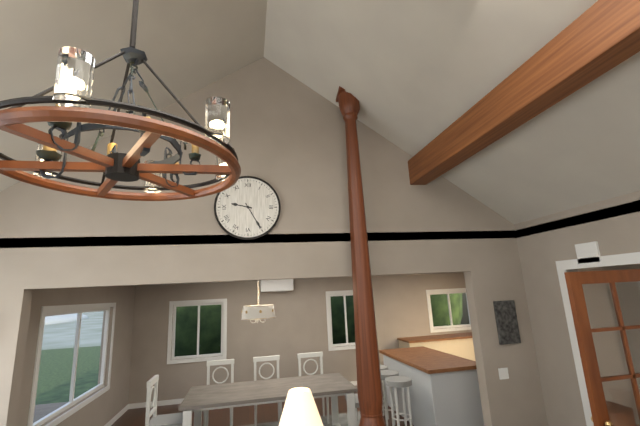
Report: 9:25
